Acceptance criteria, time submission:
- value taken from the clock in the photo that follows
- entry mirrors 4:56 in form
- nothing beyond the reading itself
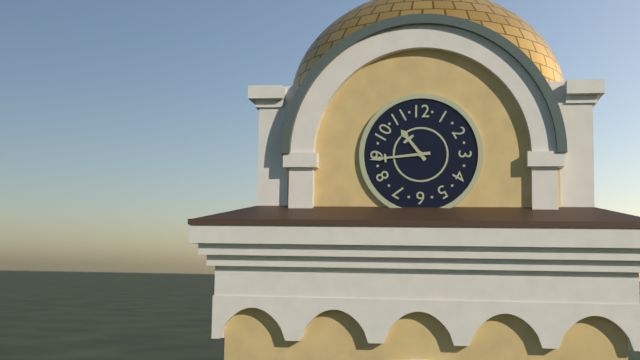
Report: 10:44
